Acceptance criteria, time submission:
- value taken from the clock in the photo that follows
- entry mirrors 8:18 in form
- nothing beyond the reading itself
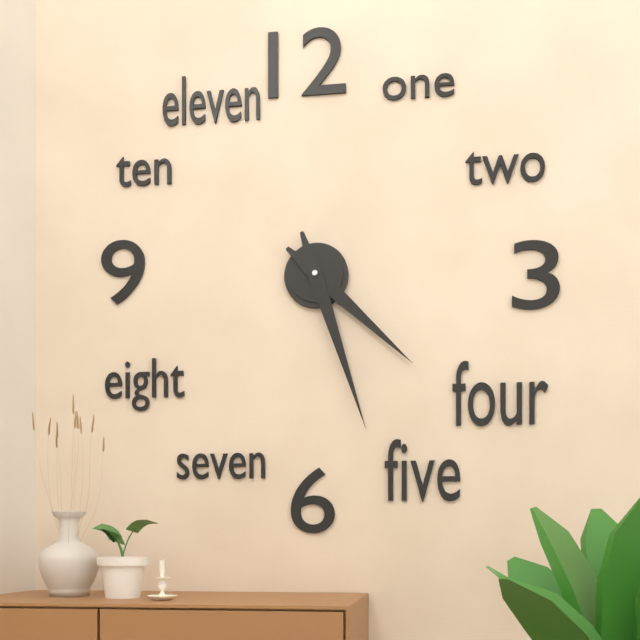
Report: 4:27
